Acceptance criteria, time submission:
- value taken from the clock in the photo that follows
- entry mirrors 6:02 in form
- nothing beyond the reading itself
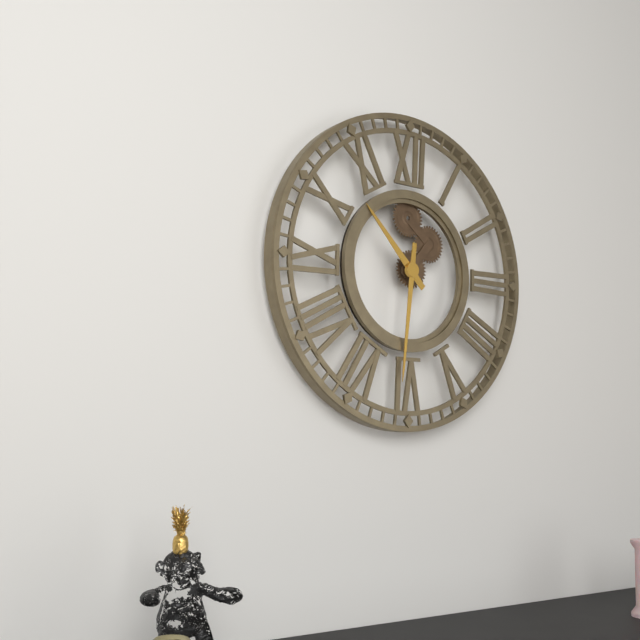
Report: 10:31
